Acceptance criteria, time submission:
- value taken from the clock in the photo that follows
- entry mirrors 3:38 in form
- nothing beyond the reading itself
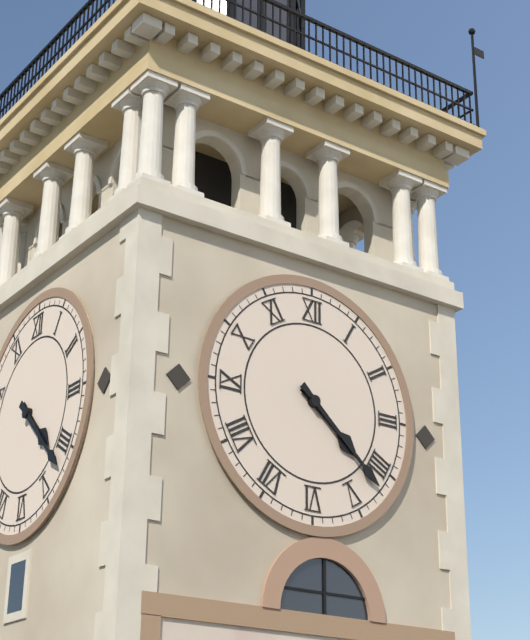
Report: 4:22
